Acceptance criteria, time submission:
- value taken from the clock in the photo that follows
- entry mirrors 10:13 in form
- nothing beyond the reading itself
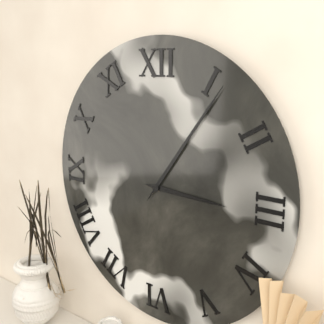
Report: 3:06
